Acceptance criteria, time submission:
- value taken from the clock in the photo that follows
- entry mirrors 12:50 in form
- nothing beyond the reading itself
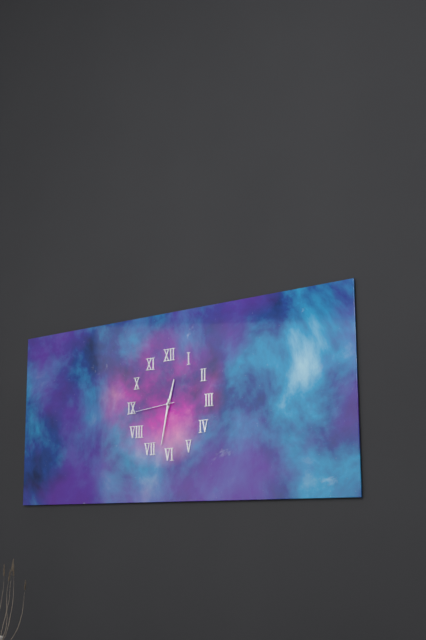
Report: 12:32
